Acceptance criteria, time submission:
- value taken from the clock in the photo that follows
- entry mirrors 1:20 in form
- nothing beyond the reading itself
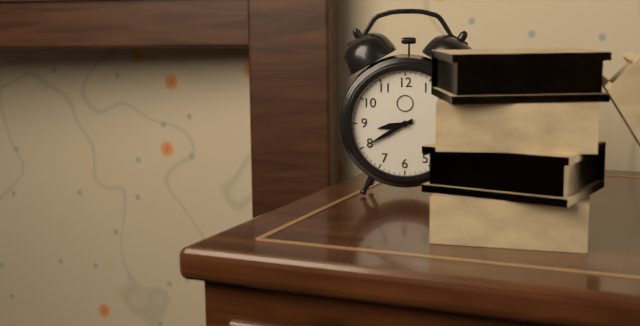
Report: 8:40
